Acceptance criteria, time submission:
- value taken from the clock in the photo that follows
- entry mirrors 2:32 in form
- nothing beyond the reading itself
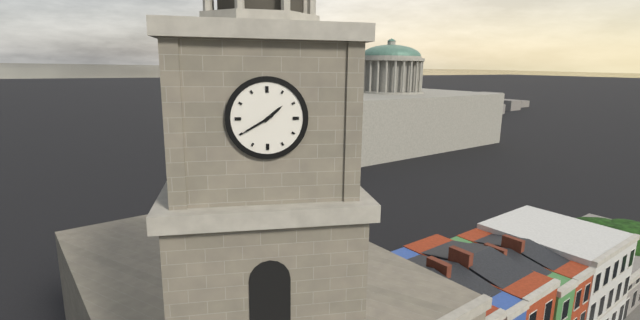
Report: 1:40
